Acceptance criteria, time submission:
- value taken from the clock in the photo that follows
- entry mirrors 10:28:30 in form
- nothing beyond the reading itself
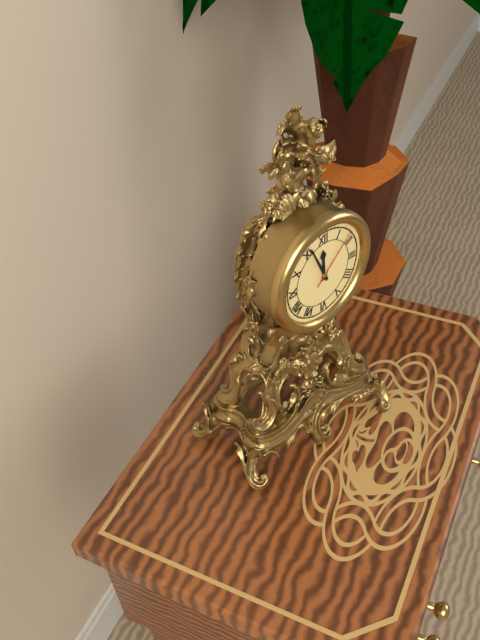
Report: 11:56:08
